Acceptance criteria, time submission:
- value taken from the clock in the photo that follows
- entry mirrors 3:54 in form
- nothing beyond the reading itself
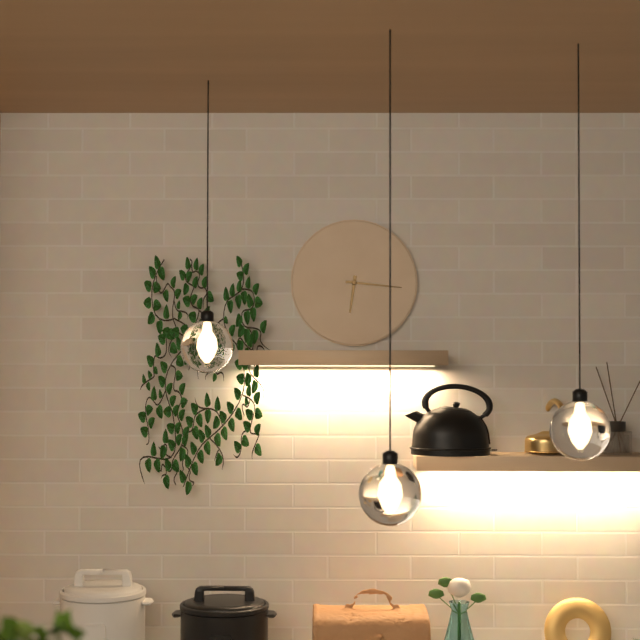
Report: 6:16
